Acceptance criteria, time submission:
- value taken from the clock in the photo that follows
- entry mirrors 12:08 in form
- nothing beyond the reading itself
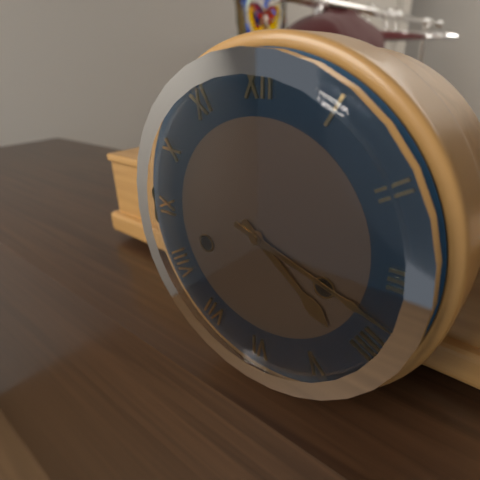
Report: 4:18
